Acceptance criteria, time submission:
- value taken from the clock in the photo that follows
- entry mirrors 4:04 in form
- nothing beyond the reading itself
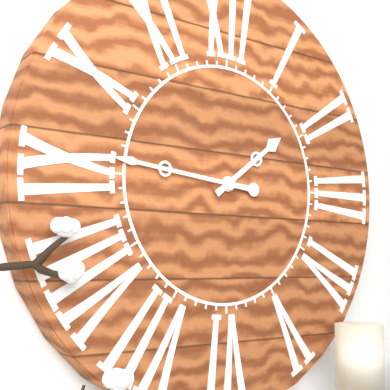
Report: 1:46
